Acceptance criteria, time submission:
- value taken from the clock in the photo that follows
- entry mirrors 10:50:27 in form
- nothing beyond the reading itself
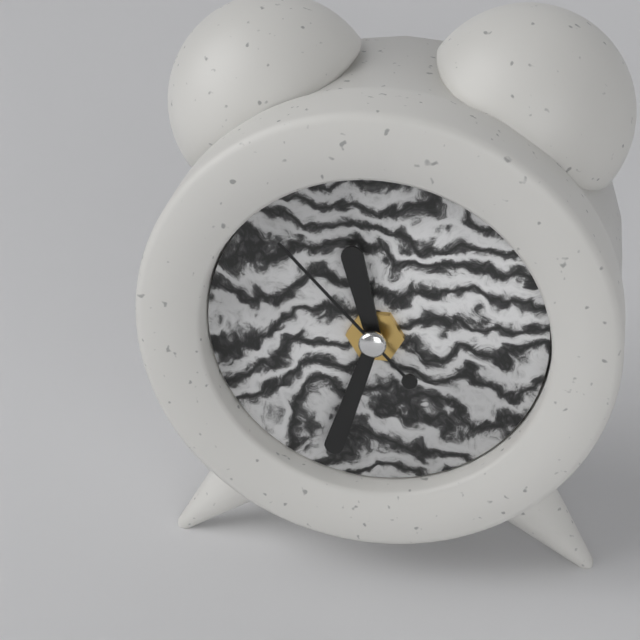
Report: 11:33:53
